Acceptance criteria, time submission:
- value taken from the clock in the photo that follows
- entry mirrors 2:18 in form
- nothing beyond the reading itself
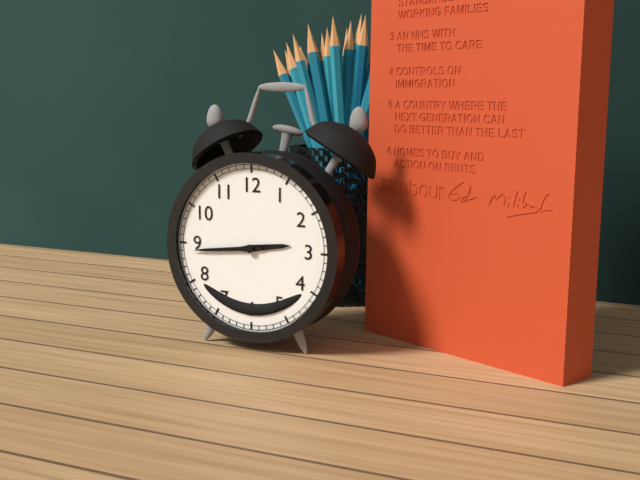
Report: 2:44
